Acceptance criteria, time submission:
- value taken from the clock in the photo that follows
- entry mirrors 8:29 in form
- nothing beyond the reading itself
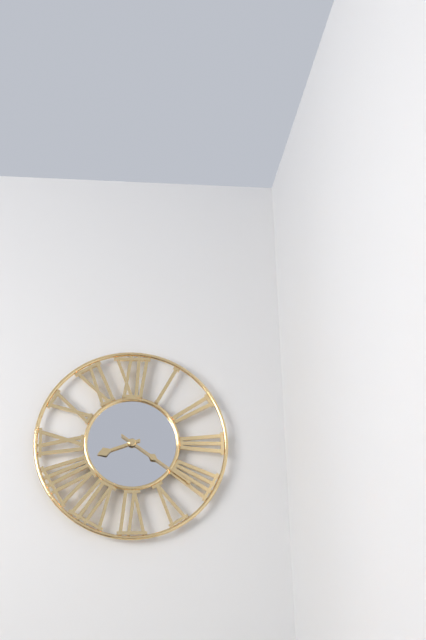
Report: 8:21
